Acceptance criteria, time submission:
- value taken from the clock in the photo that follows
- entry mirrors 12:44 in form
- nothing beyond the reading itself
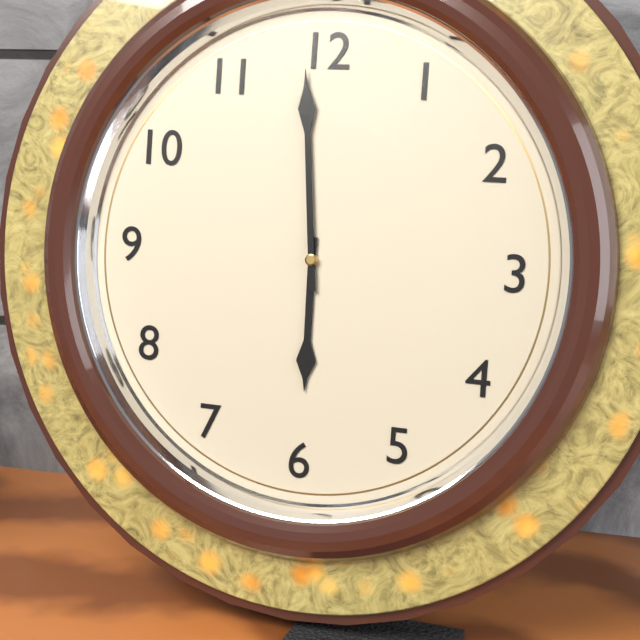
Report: 5:59
